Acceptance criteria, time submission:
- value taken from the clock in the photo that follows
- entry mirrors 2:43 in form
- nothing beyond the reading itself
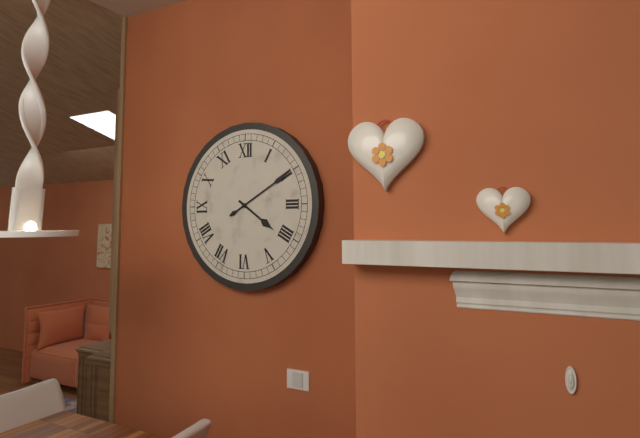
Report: 4:10
